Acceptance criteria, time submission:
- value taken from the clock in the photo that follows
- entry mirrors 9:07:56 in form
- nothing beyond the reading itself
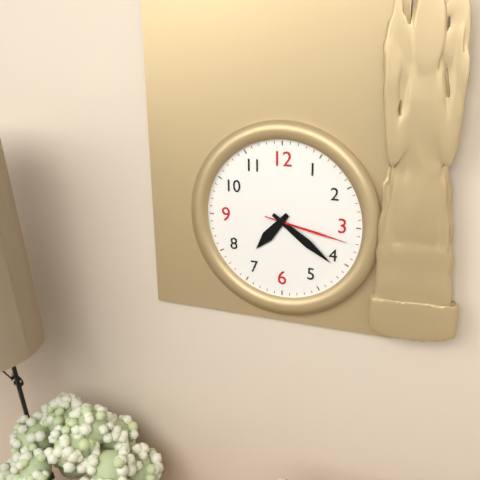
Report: 7:21:17
